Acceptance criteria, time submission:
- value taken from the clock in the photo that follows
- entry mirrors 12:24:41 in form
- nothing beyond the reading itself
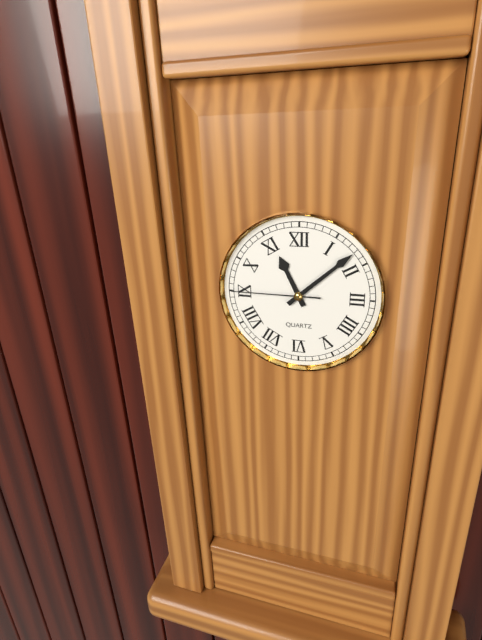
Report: 11:08:45
